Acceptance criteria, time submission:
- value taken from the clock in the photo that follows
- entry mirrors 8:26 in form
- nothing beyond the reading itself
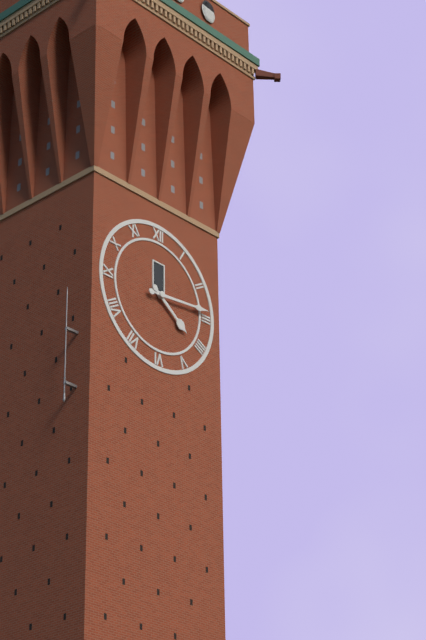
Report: 4:14
